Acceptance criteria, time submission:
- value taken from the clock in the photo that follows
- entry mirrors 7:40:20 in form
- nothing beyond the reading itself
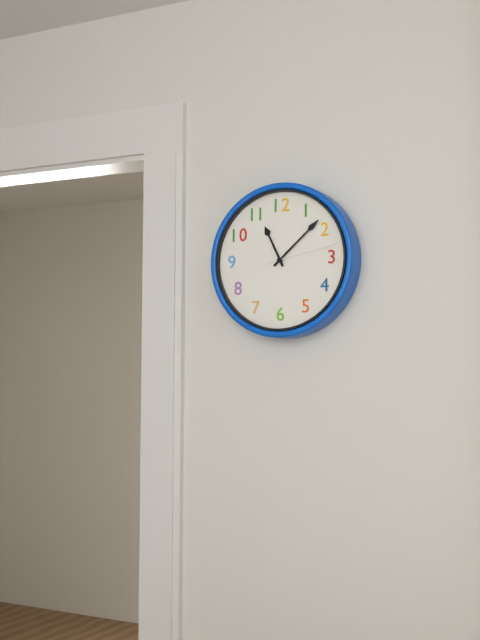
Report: 11:08:13
